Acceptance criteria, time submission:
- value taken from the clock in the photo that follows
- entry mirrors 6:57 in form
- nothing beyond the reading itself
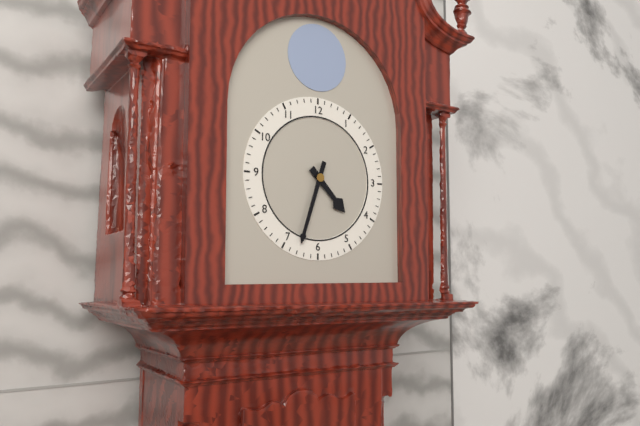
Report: 4:33
